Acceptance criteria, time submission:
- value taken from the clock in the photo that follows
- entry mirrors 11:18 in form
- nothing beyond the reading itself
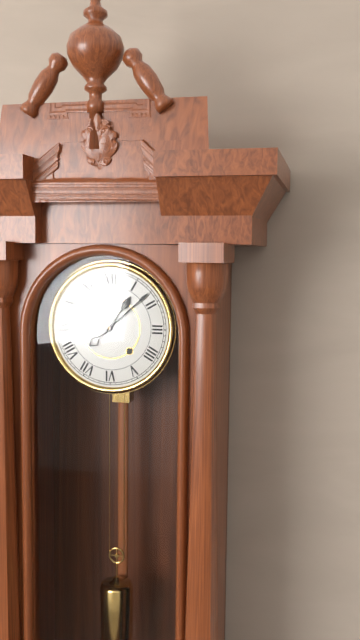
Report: 1:08
